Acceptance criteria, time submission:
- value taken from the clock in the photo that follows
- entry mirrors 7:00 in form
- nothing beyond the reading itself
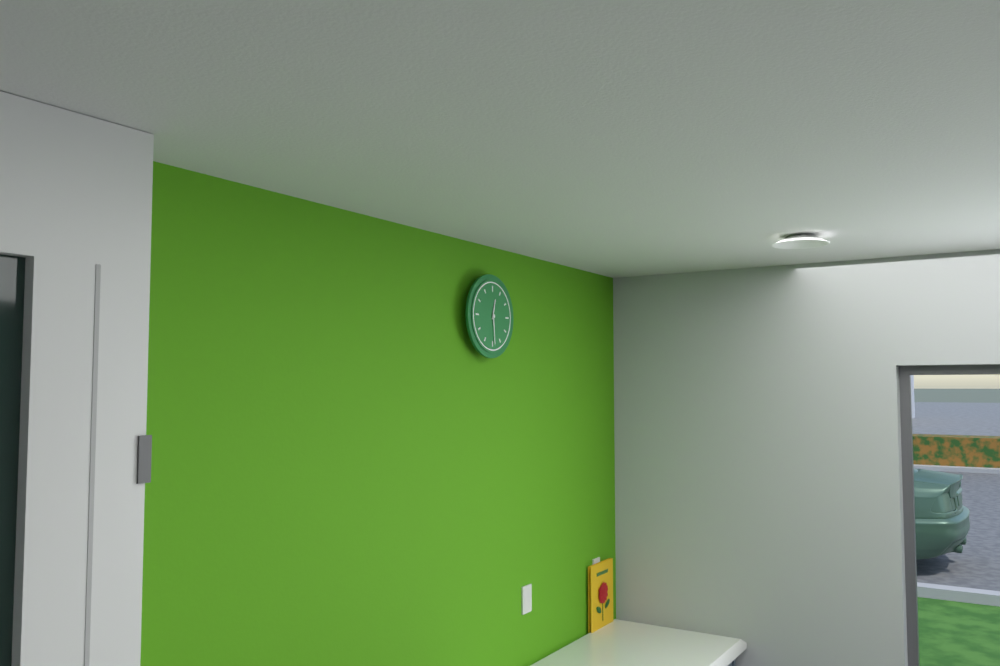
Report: 12:29
